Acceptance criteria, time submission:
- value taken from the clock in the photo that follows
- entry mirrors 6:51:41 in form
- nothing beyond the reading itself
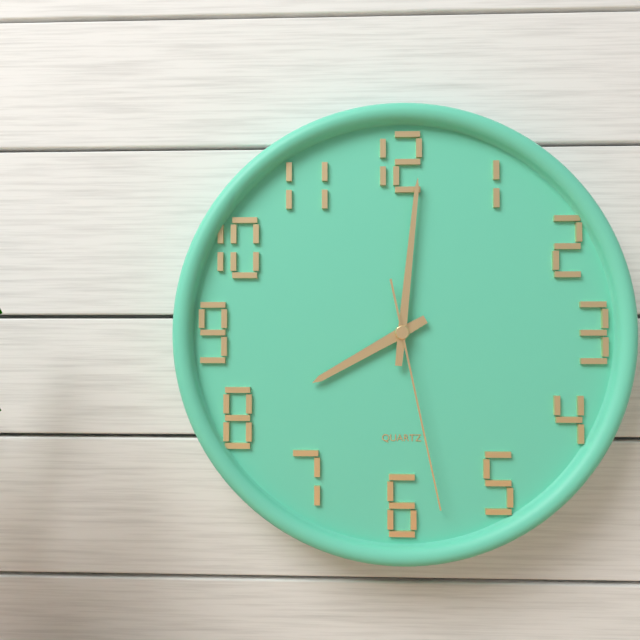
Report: 8:01:28
